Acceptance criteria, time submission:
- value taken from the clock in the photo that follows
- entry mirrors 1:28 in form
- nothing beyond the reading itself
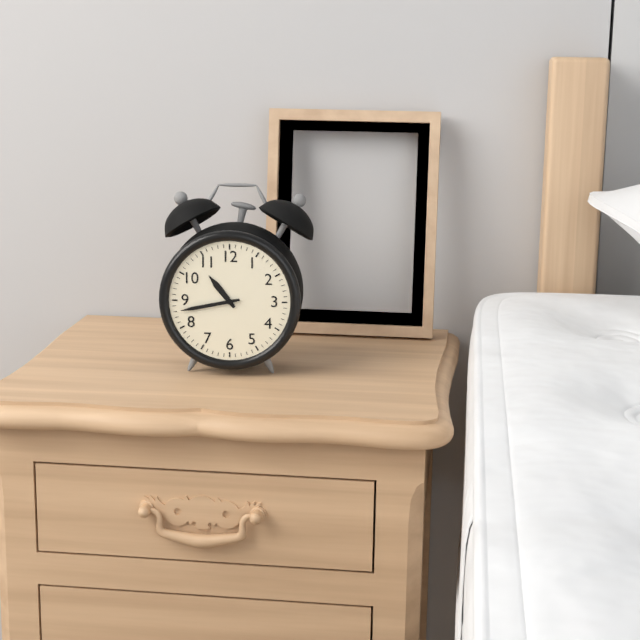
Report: 10:43
